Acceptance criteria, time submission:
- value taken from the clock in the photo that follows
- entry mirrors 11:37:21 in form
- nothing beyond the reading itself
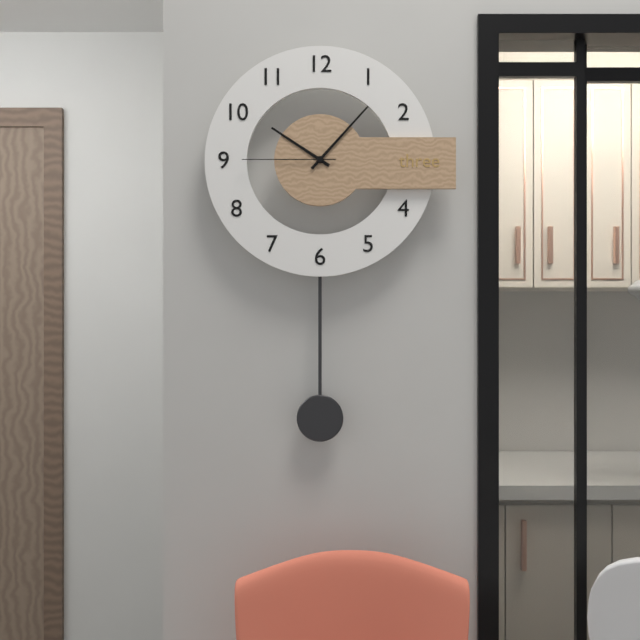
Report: 10:07:45
